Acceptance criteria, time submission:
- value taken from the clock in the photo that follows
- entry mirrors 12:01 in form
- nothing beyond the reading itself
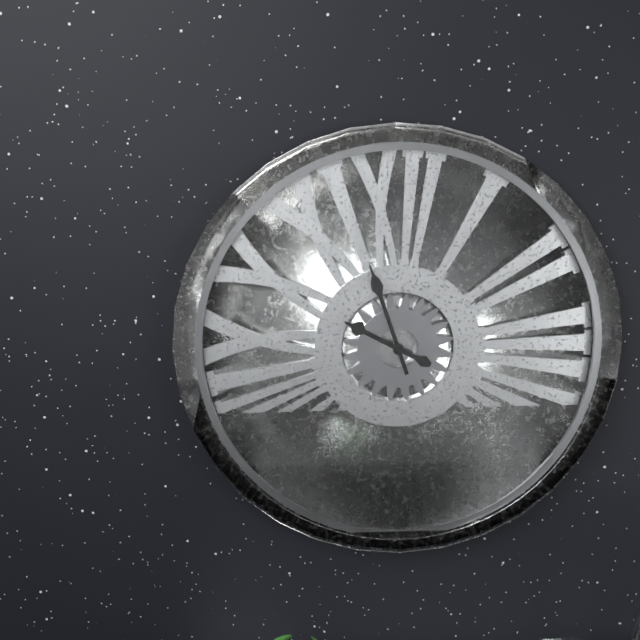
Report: 9:57
